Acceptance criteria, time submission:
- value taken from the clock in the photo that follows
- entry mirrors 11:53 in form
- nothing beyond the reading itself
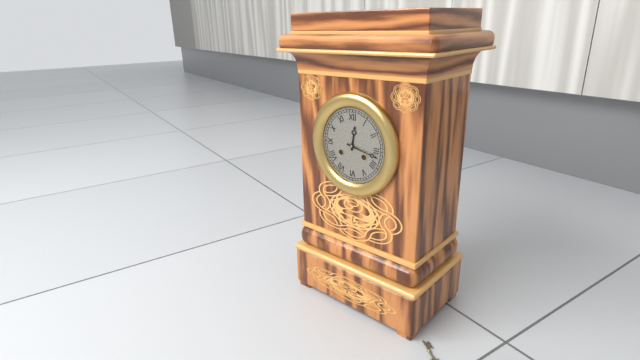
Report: 12:17
